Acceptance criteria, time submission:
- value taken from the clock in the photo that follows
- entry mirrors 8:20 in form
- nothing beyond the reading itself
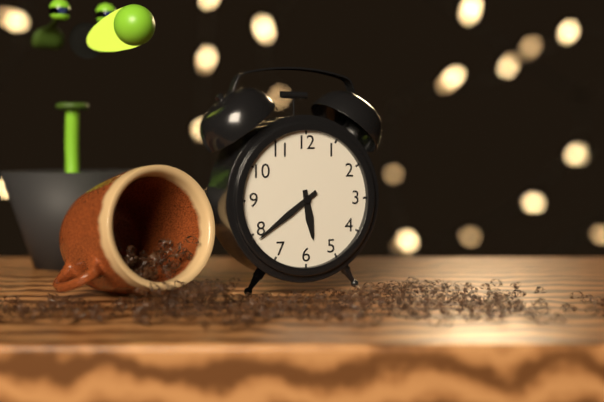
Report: 5:39
